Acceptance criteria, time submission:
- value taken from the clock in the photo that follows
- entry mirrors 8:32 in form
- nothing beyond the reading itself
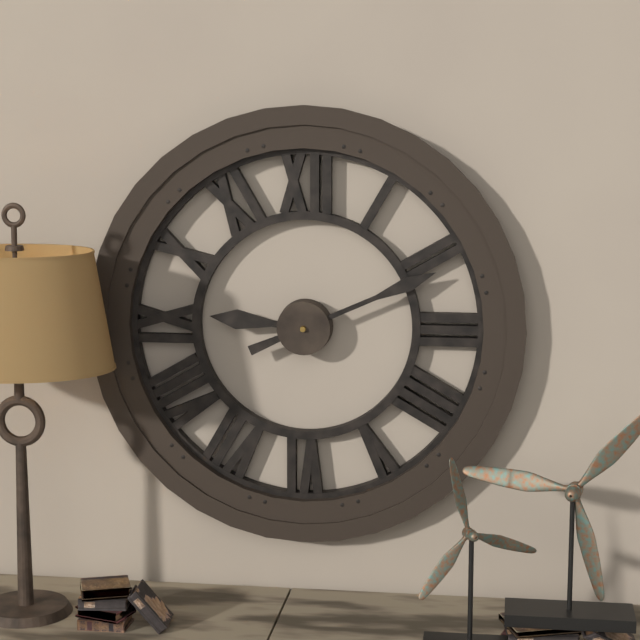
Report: 9:11
